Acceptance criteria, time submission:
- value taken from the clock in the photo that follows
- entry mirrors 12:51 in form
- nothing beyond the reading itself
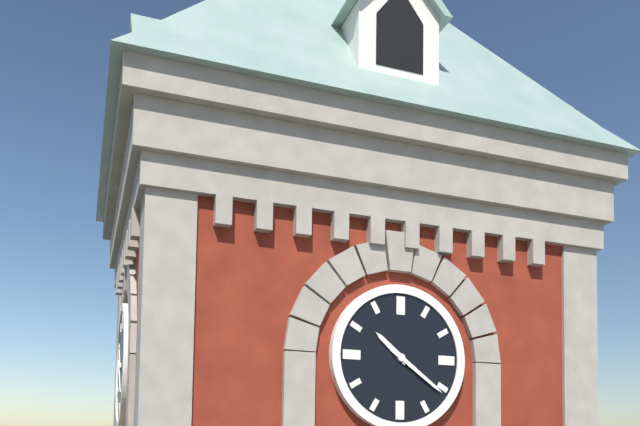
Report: 10:21
